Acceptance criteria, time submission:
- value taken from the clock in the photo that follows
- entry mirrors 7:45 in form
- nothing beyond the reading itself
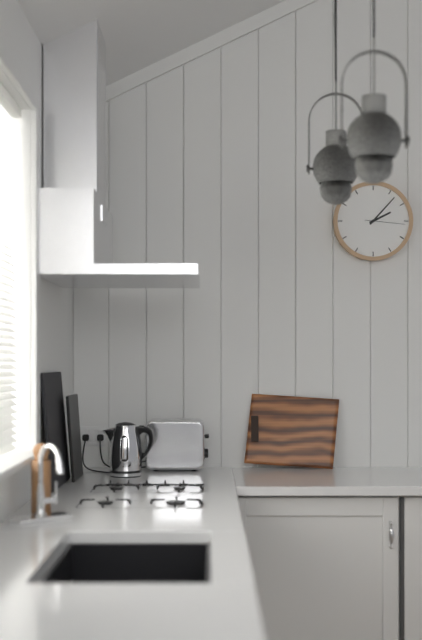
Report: 2:07
